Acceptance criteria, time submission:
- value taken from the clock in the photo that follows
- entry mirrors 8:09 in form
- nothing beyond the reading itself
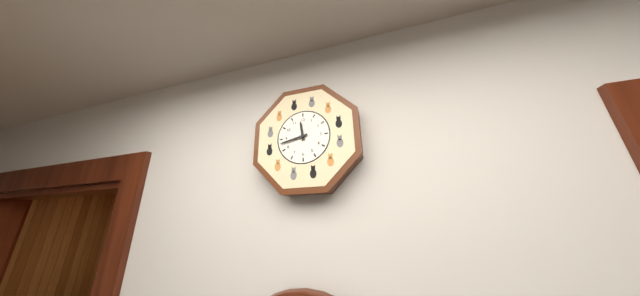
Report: 11:43
